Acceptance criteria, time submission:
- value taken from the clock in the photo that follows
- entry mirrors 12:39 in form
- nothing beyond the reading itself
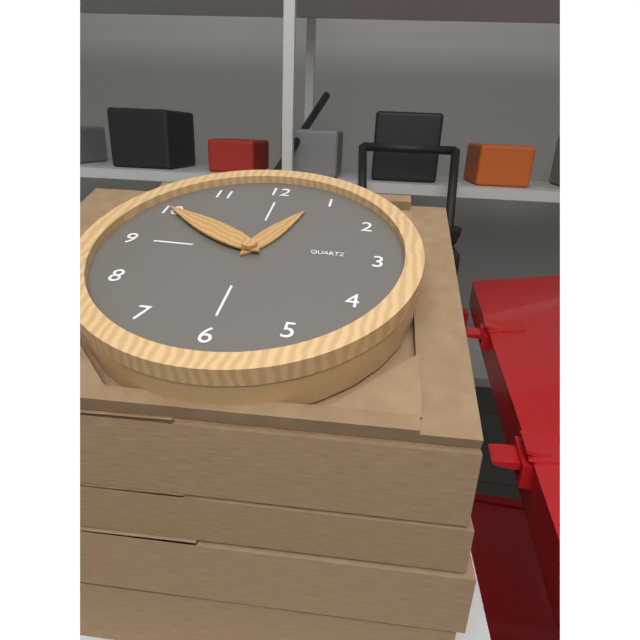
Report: 12:50
